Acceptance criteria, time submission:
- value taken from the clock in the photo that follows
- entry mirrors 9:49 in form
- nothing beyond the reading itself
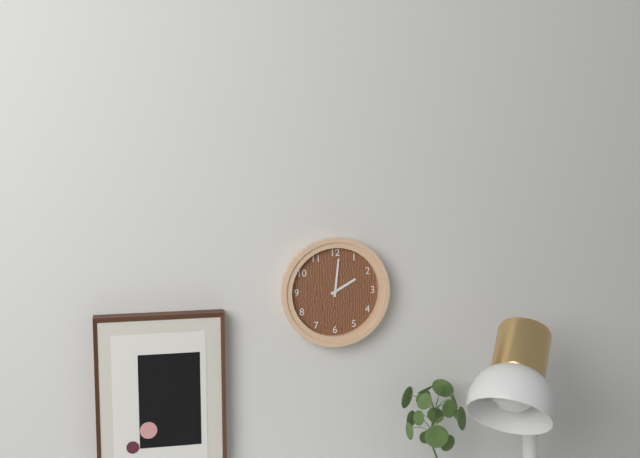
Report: 2:01
